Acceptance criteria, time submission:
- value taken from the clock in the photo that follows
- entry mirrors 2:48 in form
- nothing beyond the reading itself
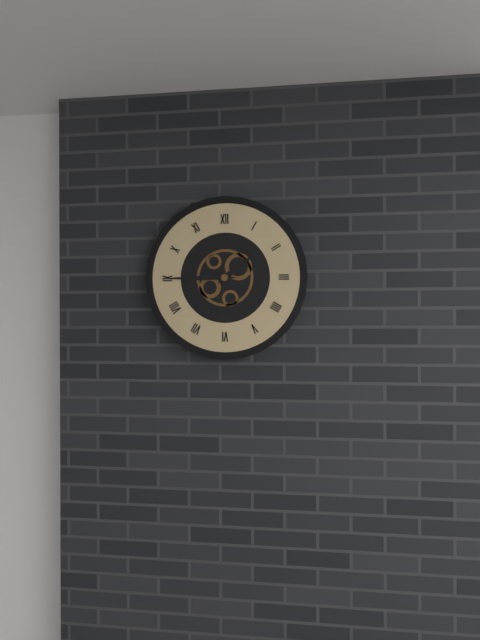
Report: 1:45
